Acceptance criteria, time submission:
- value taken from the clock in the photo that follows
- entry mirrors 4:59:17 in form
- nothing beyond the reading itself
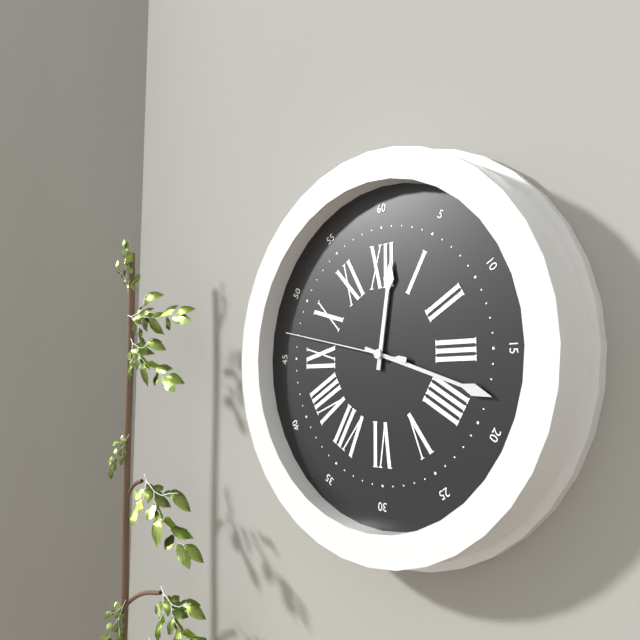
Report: 12:18:47
